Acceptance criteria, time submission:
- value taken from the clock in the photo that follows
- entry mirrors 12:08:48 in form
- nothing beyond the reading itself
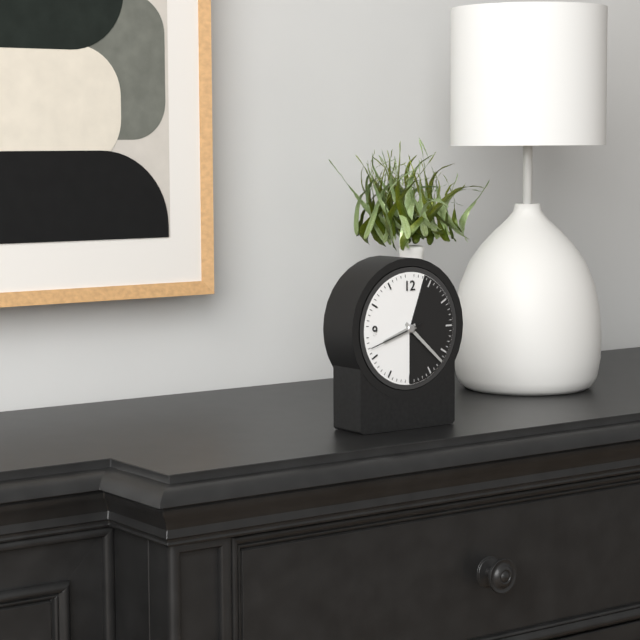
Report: 8:22:42
